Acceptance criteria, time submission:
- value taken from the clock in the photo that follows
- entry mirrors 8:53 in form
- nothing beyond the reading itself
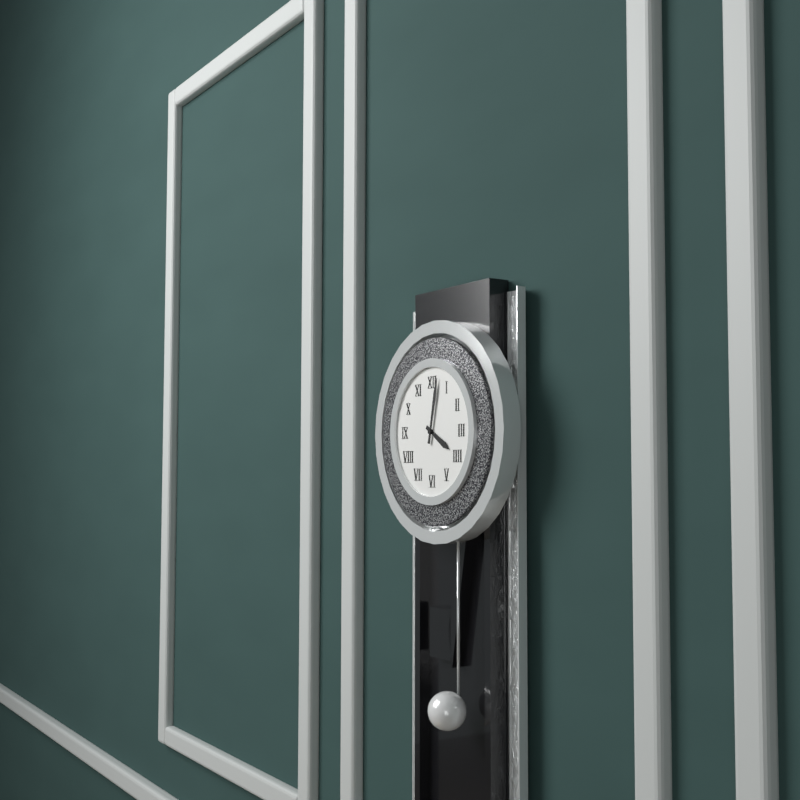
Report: 4:02
